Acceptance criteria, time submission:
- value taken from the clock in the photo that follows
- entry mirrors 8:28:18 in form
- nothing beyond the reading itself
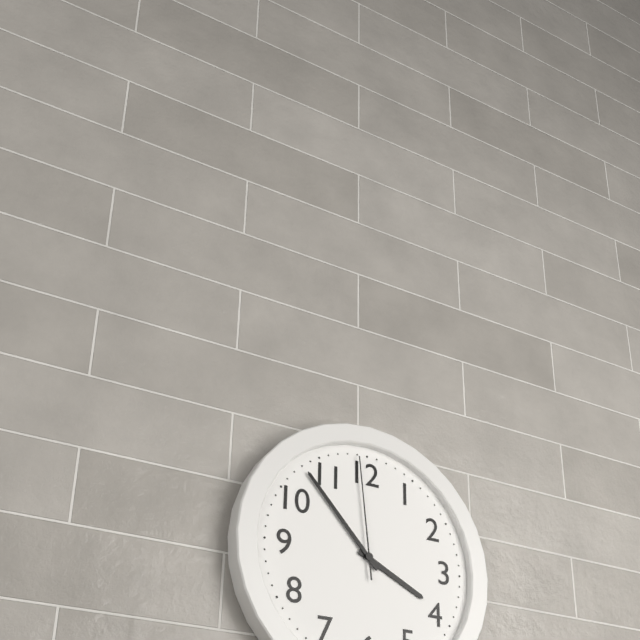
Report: 3:53:59
